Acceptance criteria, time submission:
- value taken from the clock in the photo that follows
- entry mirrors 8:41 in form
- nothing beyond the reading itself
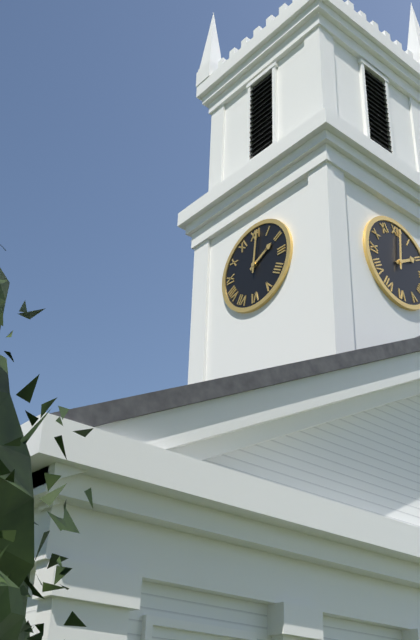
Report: 2:01
